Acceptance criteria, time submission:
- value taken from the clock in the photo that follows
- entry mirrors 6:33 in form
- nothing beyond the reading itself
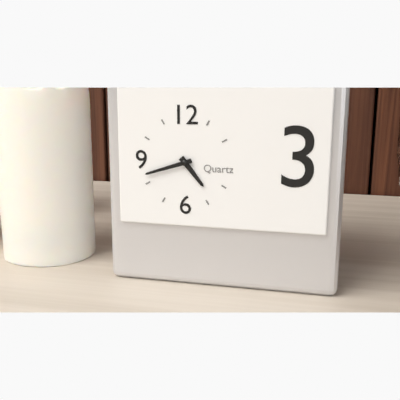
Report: 4:42
